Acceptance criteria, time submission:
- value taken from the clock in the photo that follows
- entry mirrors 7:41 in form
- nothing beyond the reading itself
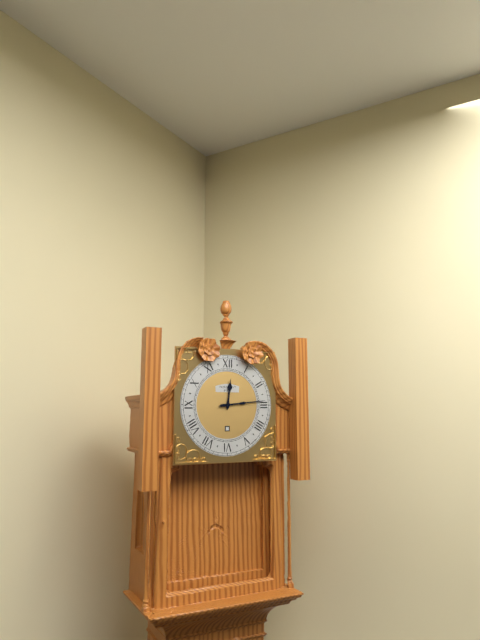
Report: 12:14
